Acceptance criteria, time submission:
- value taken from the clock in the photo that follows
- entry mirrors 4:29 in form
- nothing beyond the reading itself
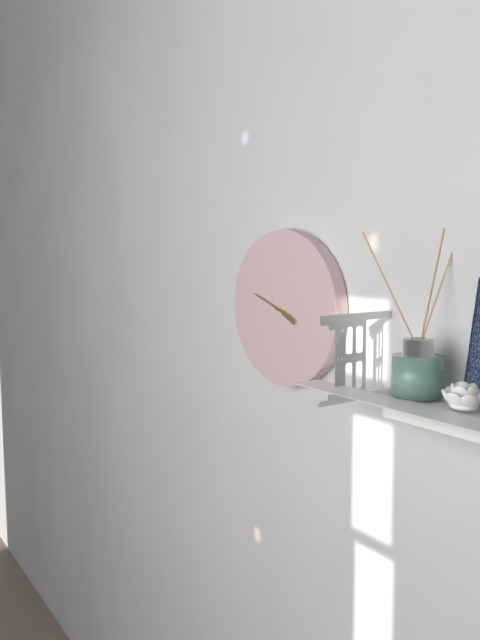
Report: 3:48
